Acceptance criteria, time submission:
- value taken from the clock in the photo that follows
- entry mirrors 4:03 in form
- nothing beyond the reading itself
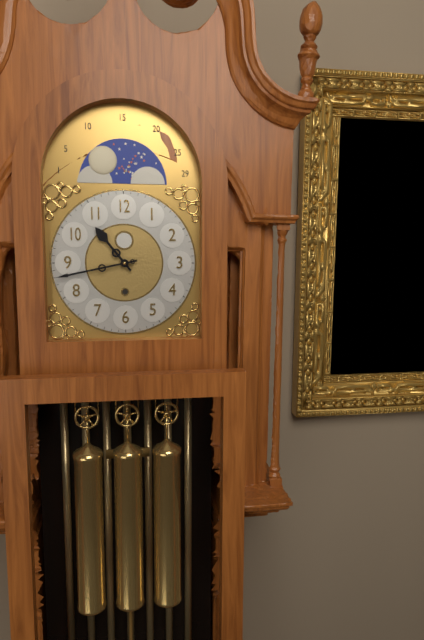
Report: 10:43
